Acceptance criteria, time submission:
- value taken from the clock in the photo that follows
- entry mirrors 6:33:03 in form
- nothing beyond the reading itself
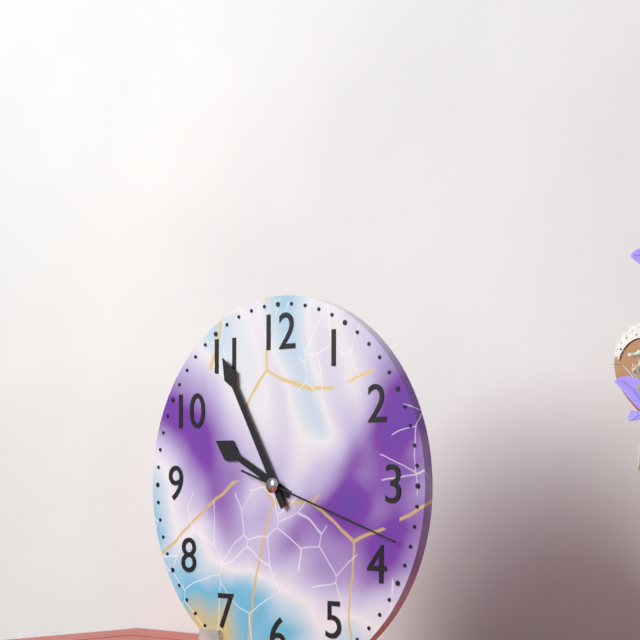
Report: 9:55:18
